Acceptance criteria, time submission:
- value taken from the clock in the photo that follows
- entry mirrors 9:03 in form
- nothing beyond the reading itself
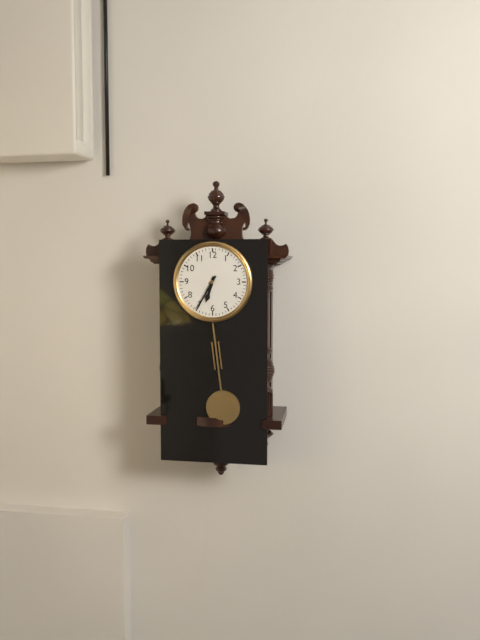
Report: 6:35
